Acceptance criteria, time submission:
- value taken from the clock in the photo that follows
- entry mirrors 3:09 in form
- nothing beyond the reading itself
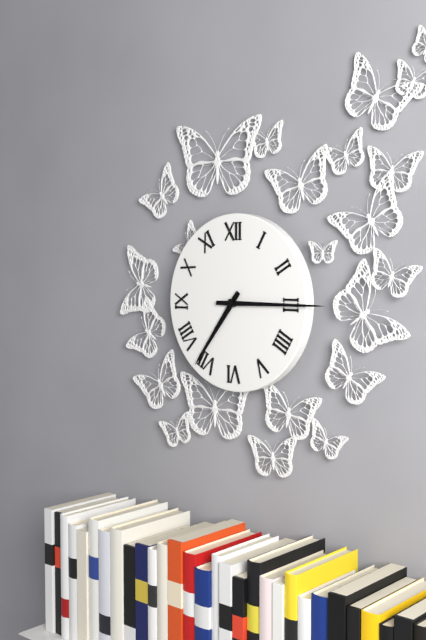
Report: 7:15
